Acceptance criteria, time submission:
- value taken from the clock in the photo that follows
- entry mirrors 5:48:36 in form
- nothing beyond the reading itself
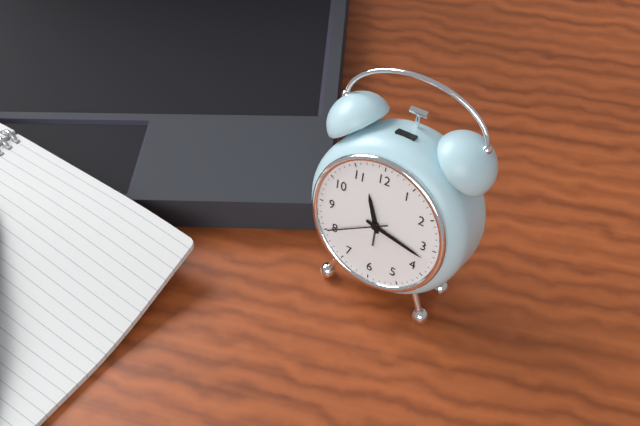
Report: 11:17:40
